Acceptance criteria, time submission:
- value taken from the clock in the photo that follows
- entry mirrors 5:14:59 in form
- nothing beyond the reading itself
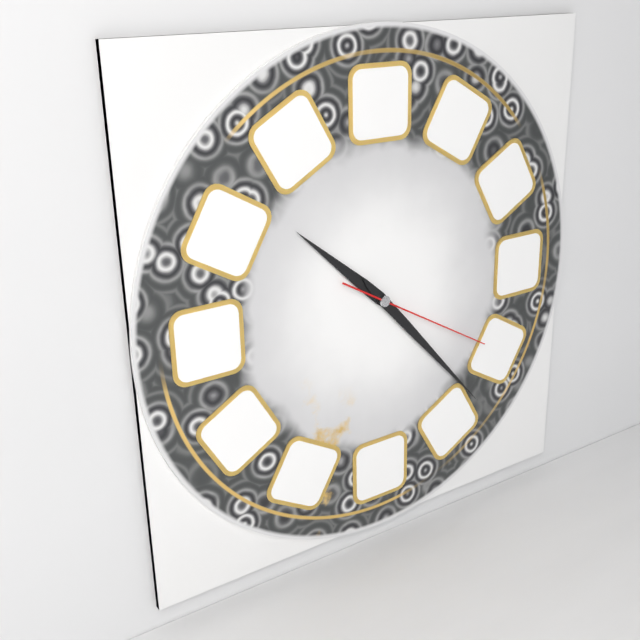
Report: 10:23:20
